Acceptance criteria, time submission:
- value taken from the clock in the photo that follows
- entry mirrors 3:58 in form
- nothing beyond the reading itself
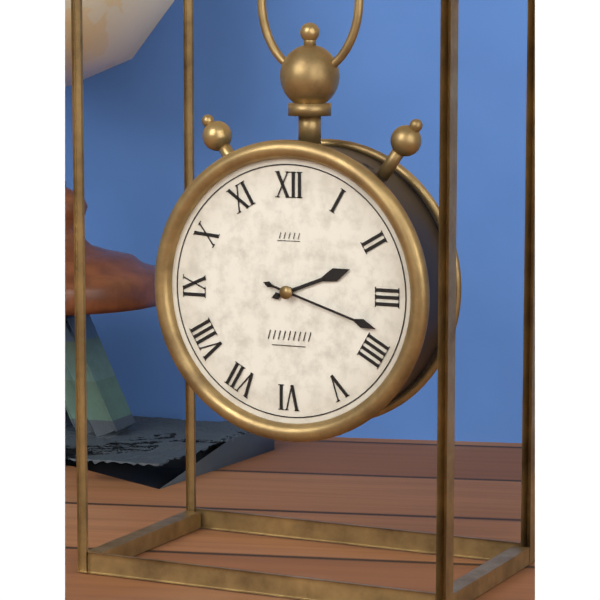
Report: 2:18
